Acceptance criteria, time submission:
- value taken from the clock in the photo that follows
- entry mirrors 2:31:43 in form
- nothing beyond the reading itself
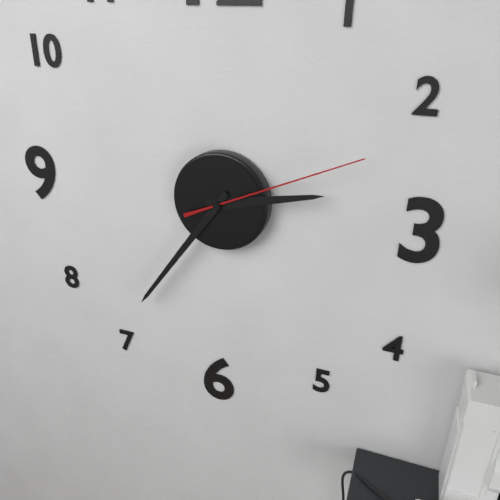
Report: 2:36:11
